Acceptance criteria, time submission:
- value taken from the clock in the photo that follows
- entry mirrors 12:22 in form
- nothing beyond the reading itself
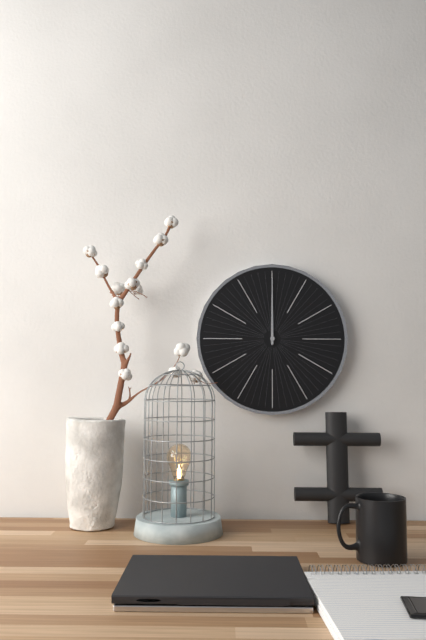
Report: 12:00
